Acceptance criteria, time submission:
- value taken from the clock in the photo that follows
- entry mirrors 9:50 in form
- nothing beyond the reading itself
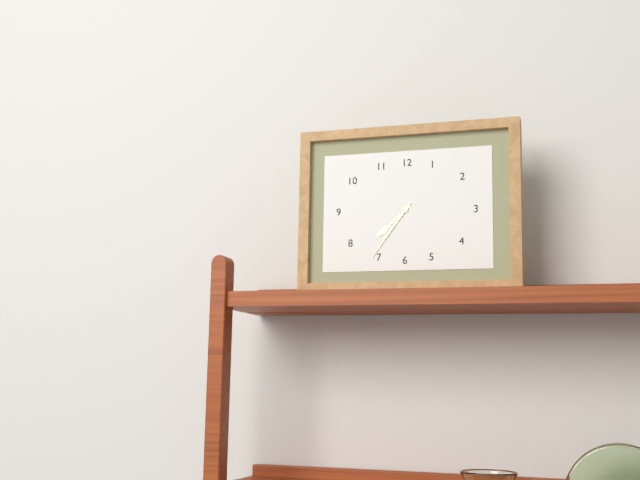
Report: 7:36
